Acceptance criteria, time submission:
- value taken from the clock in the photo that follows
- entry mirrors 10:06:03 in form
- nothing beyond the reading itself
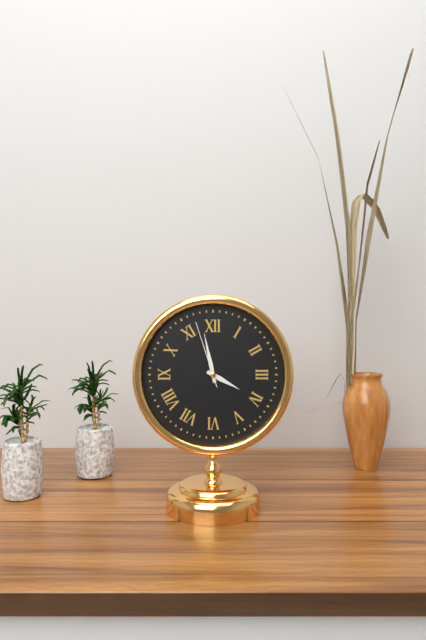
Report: 3:58:57
